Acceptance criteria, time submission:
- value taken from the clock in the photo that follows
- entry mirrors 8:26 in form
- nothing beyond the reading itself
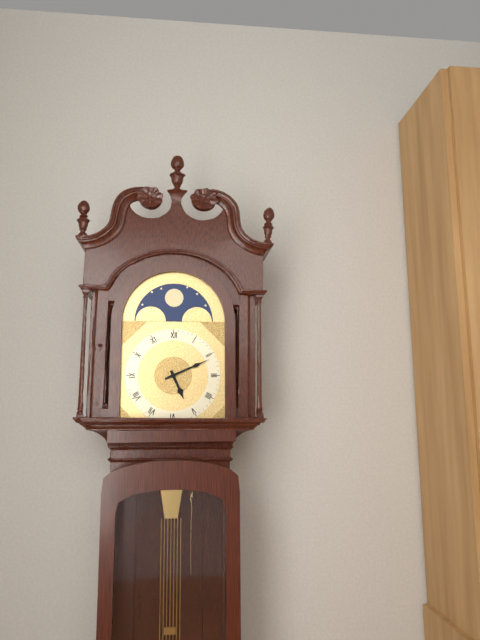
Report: 5:11
